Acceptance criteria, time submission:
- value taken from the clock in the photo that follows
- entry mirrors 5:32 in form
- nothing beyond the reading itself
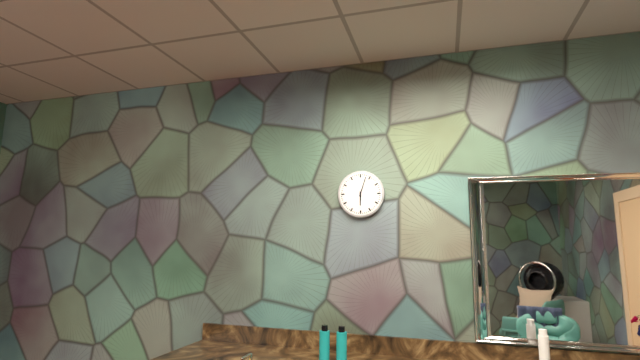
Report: 6:03
